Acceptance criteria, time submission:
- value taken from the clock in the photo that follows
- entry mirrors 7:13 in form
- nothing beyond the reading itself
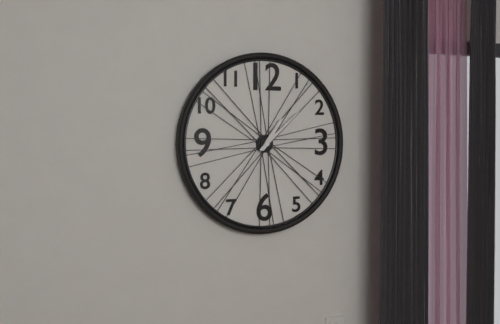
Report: 1:08
